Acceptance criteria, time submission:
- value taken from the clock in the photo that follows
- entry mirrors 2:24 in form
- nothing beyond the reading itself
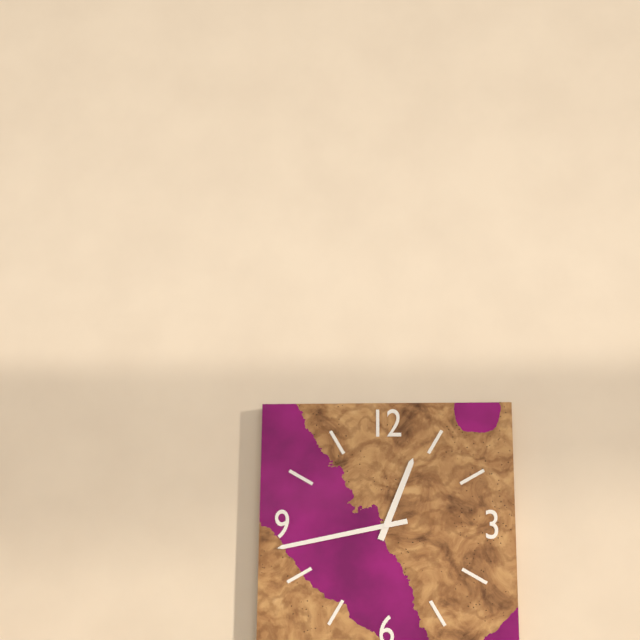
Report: 12:43
